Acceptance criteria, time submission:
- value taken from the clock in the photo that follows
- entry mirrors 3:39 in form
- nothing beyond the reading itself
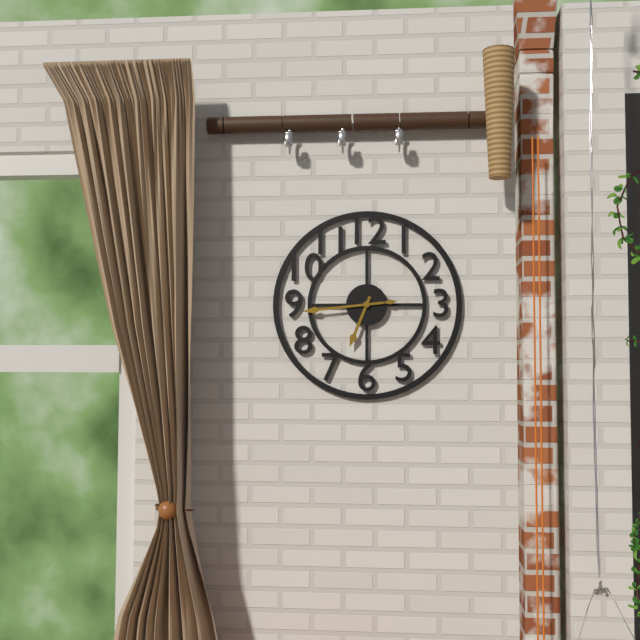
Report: 6:44
